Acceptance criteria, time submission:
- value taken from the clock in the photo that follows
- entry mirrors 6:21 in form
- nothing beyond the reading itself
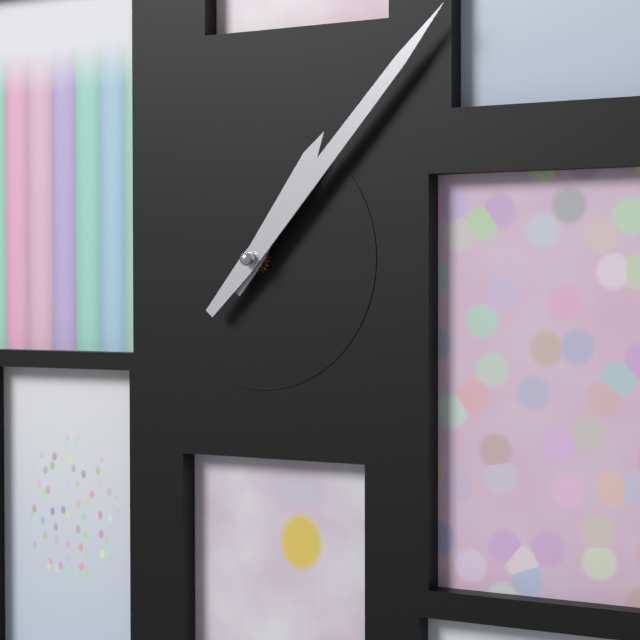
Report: 1:07
